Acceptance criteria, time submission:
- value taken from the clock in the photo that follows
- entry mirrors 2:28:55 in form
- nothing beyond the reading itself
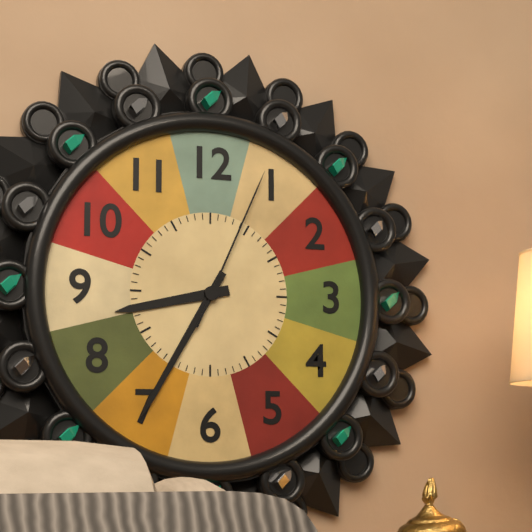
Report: 8:35:04
